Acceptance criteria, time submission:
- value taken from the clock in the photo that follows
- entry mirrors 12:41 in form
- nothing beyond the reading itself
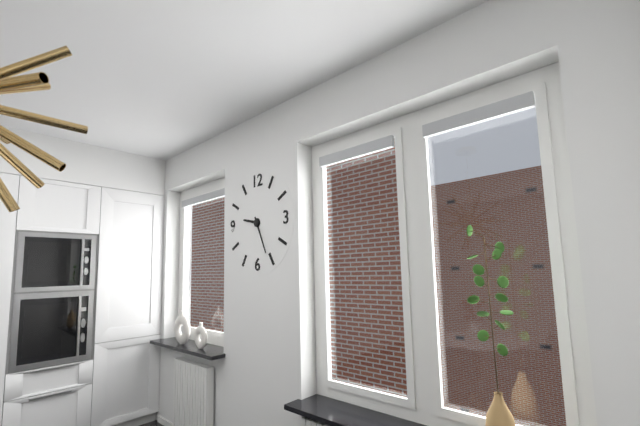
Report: 9:26
